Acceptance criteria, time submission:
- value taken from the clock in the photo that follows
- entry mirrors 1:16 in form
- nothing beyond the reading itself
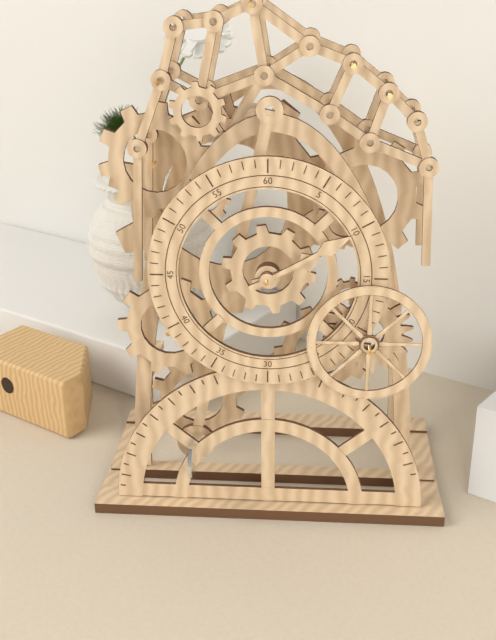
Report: 2:10
